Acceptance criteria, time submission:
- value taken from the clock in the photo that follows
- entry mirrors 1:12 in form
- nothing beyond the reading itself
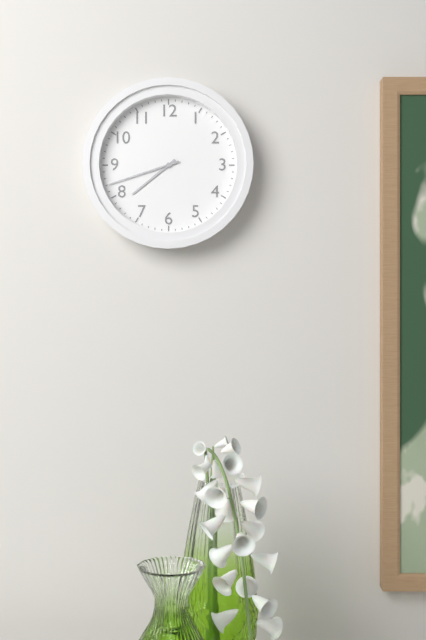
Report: 7:42
